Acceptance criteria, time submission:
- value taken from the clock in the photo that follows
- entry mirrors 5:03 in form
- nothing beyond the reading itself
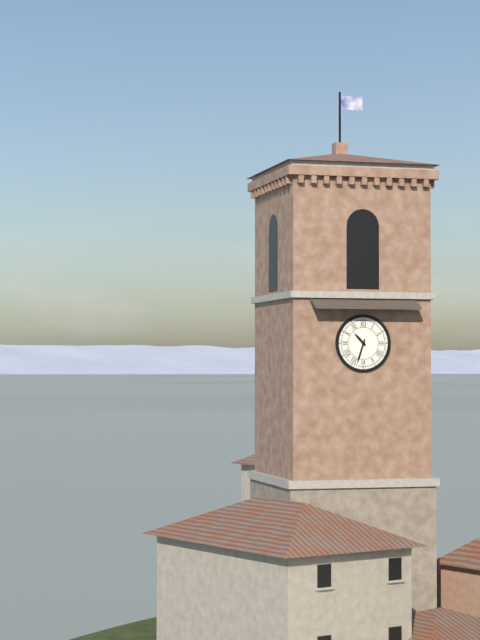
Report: 10:33
